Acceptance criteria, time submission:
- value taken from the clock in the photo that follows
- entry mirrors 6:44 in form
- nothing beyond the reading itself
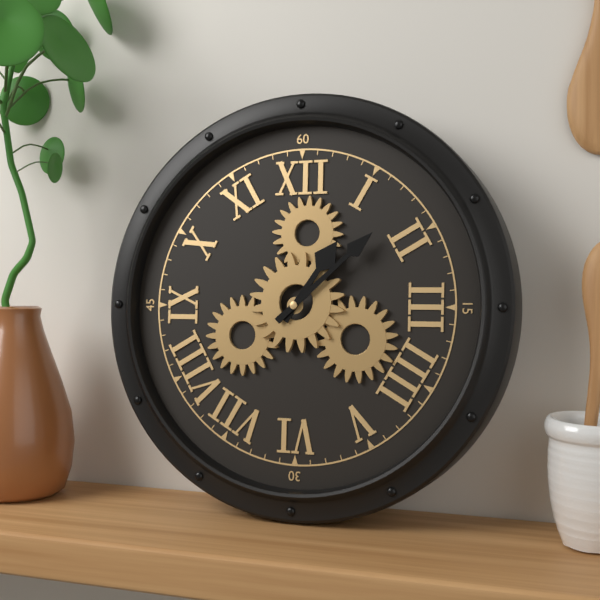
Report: 1:08
